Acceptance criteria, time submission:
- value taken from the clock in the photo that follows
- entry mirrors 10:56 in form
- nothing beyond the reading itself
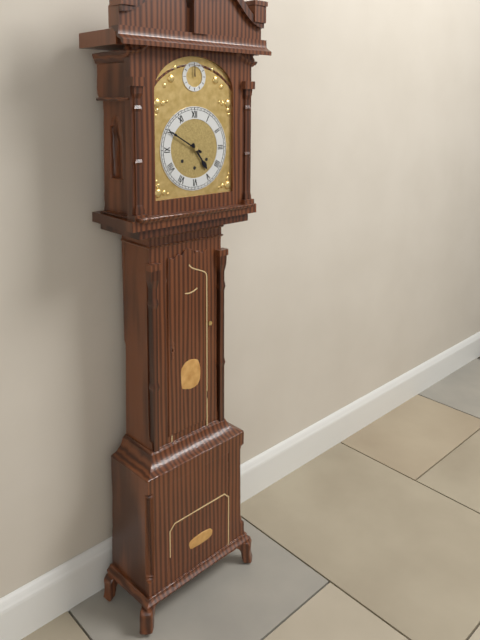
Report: 4:50
